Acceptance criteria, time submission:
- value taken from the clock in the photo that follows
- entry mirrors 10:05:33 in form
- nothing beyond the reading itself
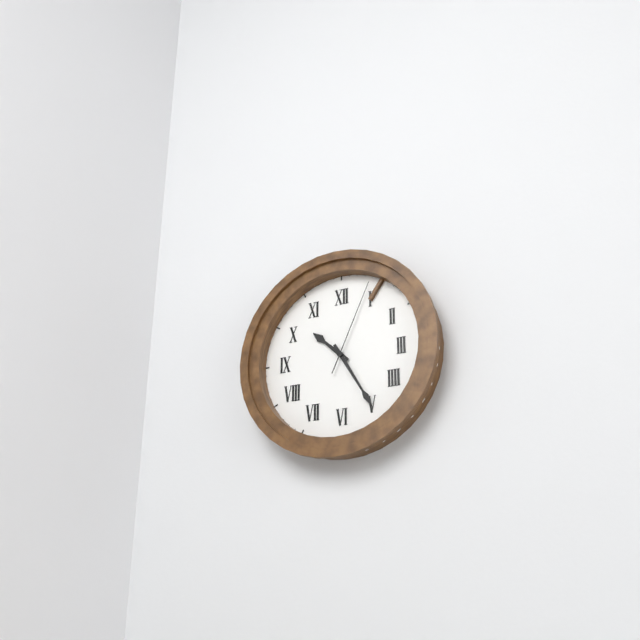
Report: 10:25:04
